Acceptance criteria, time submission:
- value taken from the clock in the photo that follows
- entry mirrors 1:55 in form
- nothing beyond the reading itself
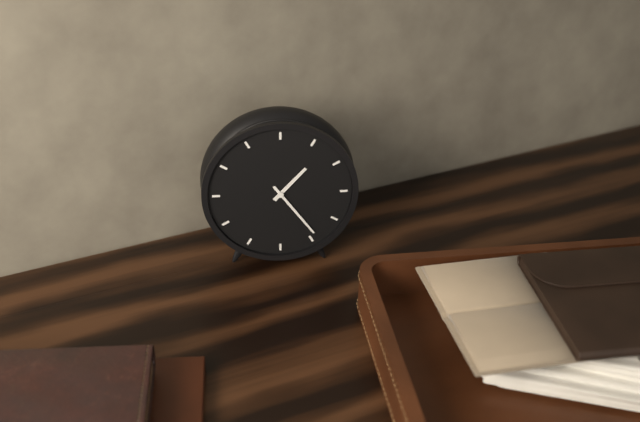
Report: 1:24
